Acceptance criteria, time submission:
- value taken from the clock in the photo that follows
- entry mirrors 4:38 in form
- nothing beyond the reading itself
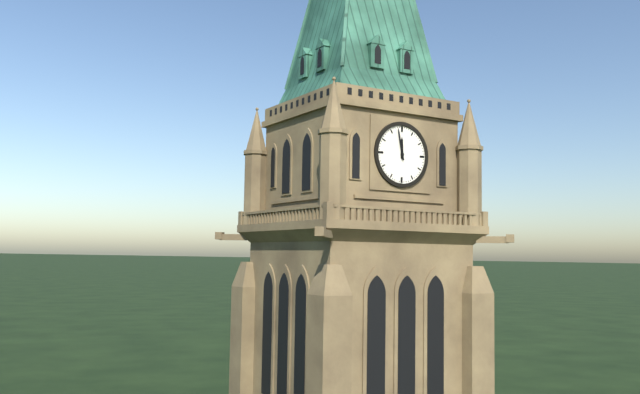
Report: 11:58
